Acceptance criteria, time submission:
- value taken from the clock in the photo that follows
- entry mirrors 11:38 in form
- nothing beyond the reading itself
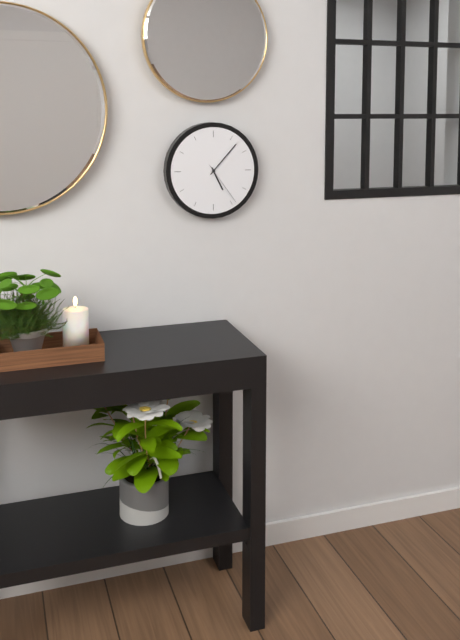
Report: 5:07
